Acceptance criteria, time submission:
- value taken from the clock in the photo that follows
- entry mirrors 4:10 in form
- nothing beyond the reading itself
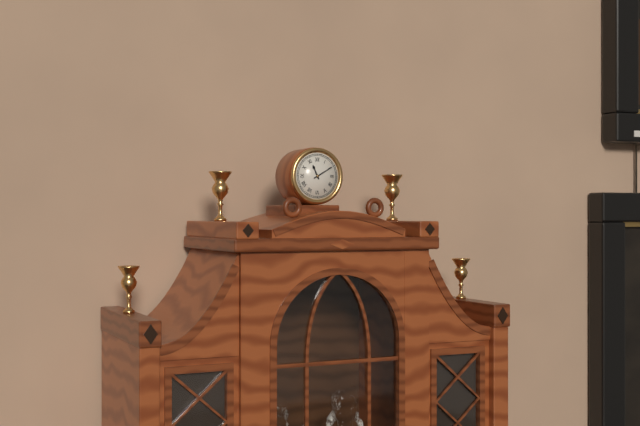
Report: 11:10
